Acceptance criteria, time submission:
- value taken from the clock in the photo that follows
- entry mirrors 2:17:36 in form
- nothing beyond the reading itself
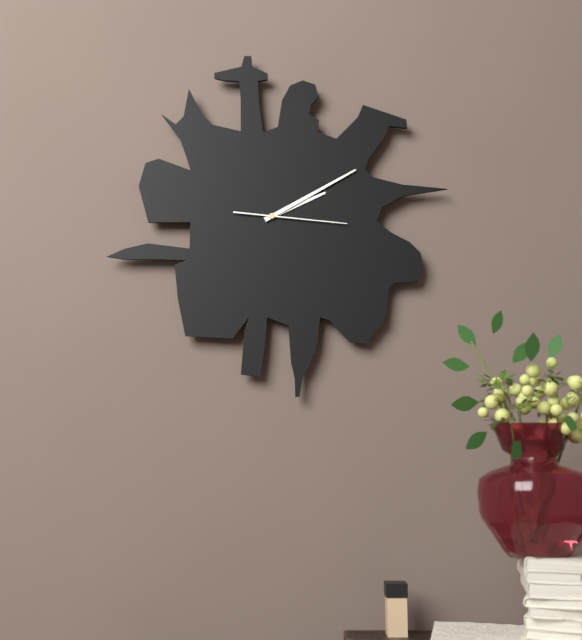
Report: 2:10:16
